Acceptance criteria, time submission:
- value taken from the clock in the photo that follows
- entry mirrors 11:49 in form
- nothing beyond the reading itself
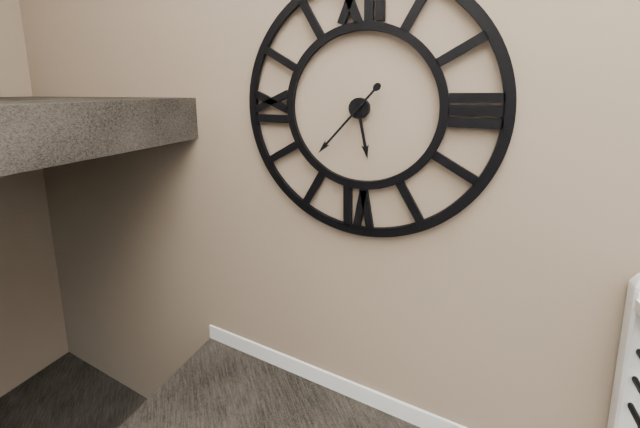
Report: 5:37
